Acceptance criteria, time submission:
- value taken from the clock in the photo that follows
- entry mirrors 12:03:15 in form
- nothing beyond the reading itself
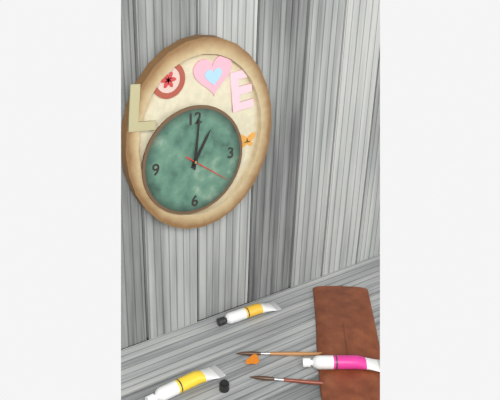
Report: 1:01:21
